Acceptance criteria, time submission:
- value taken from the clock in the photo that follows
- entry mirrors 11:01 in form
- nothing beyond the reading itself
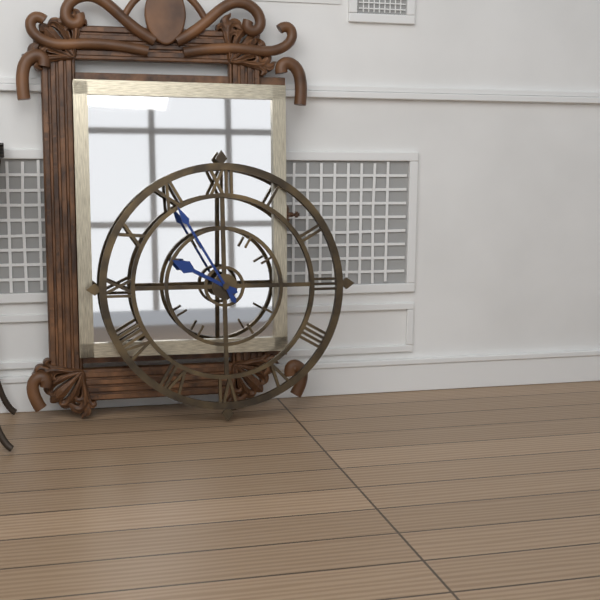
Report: 9:55
